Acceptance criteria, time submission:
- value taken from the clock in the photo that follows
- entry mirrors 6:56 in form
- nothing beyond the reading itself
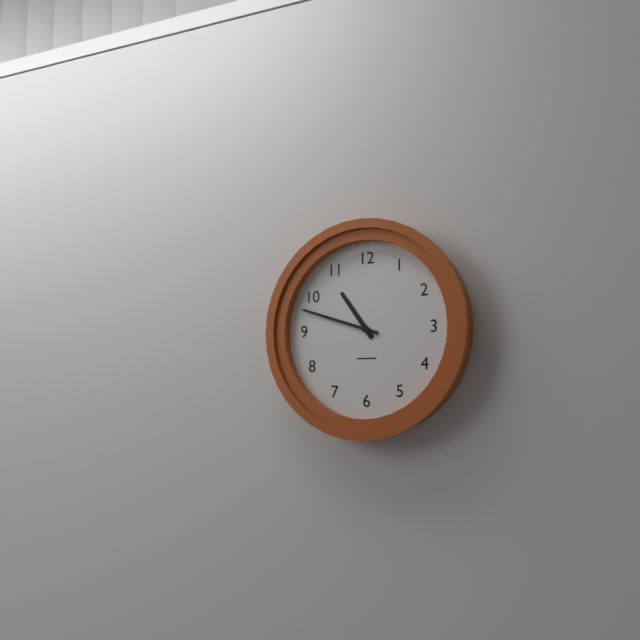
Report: 10:48
